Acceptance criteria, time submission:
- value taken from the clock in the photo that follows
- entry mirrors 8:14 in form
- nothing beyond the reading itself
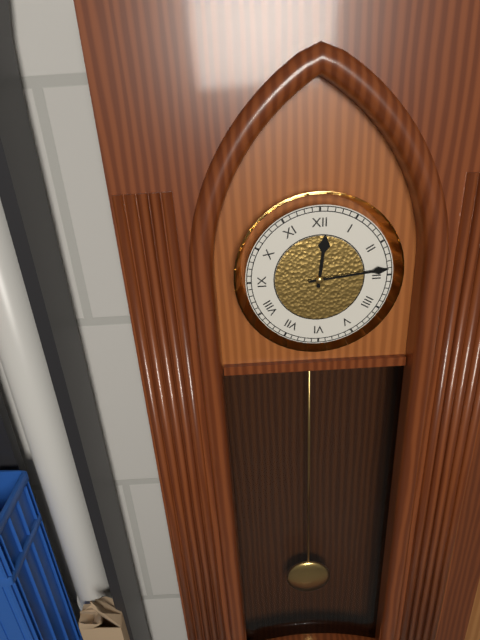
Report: 12:14
